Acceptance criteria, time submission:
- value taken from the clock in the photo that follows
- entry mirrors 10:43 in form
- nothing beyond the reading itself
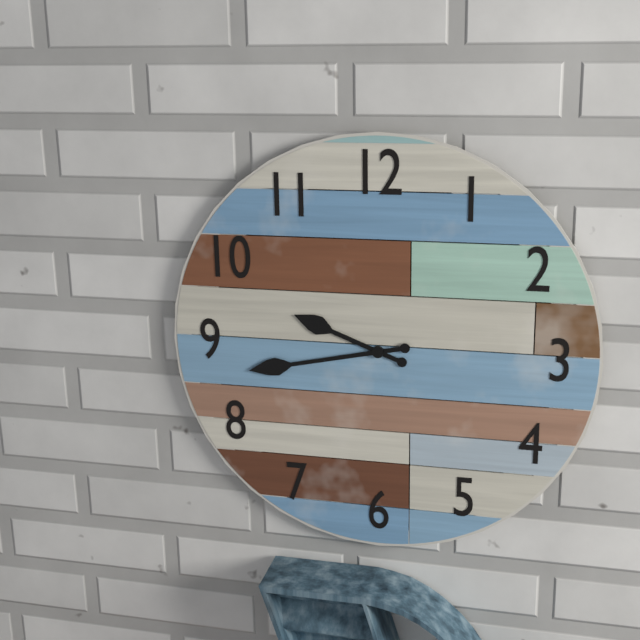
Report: 9:43
